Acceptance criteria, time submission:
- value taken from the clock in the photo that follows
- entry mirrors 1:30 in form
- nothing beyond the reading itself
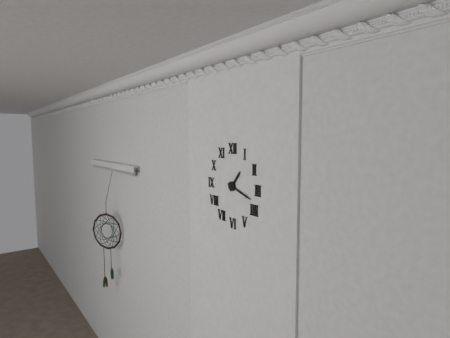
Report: 1:18
